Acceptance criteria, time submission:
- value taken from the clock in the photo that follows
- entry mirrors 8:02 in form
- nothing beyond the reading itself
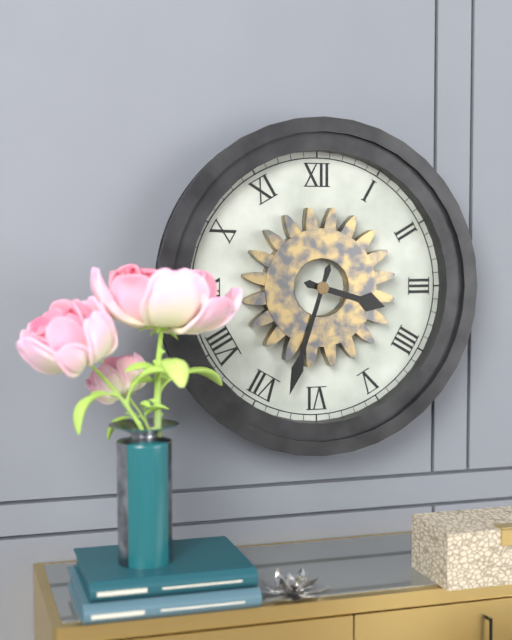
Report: 3:33
